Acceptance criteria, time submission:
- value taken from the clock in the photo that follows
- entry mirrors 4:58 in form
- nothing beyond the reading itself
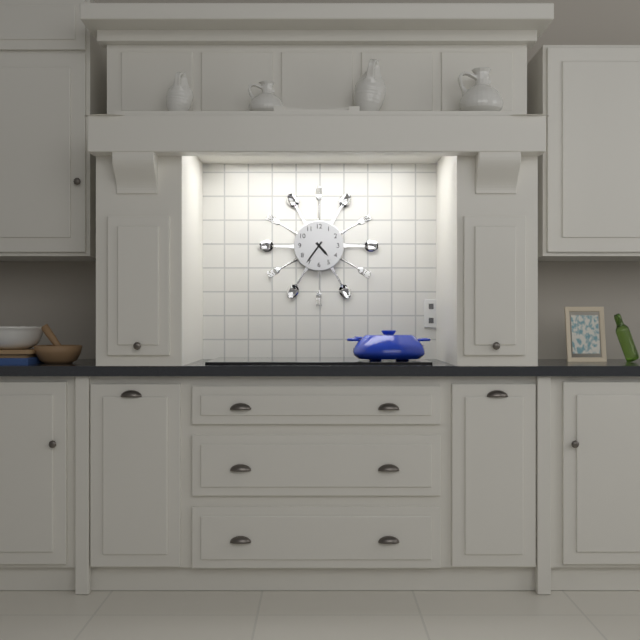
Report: 4:36
